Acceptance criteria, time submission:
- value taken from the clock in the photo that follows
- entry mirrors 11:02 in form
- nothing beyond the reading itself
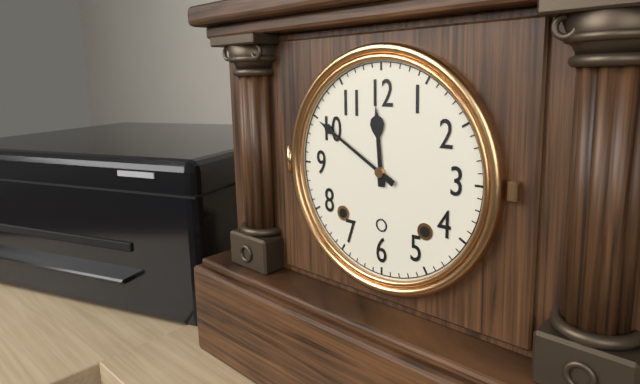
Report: 11:50
